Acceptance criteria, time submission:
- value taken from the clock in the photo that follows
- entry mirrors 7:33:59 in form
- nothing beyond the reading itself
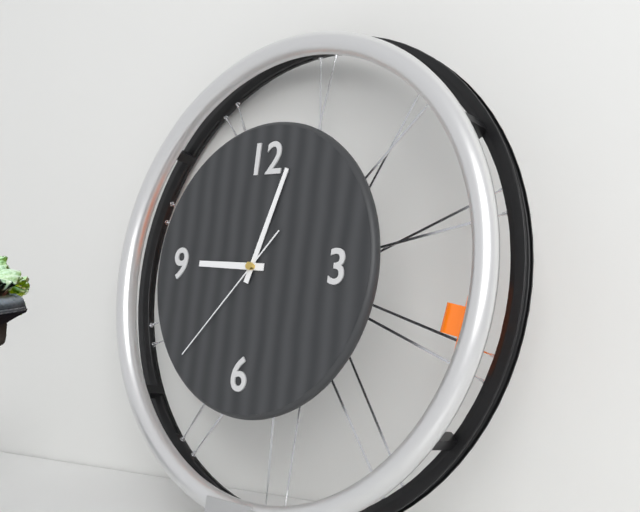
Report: 9:03:37
